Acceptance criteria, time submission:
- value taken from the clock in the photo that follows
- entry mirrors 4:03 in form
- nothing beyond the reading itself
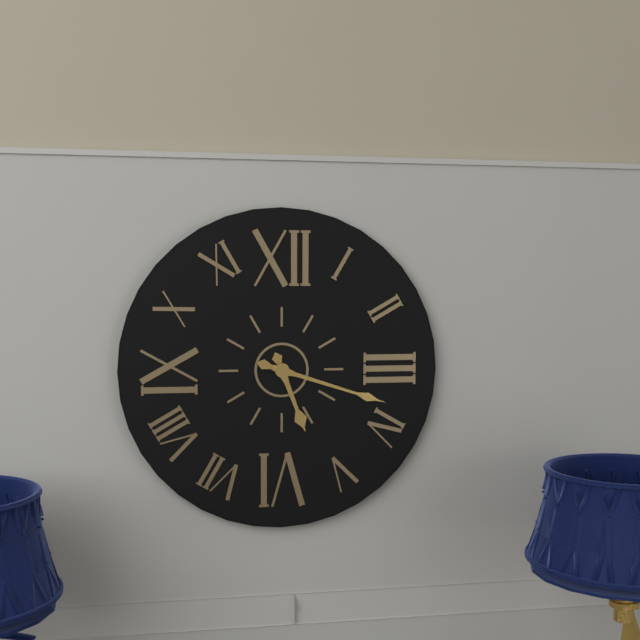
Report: 5:18
